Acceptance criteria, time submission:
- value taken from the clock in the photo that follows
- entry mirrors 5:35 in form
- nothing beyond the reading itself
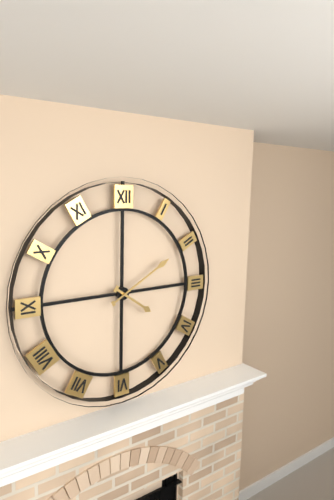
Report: 4:10
